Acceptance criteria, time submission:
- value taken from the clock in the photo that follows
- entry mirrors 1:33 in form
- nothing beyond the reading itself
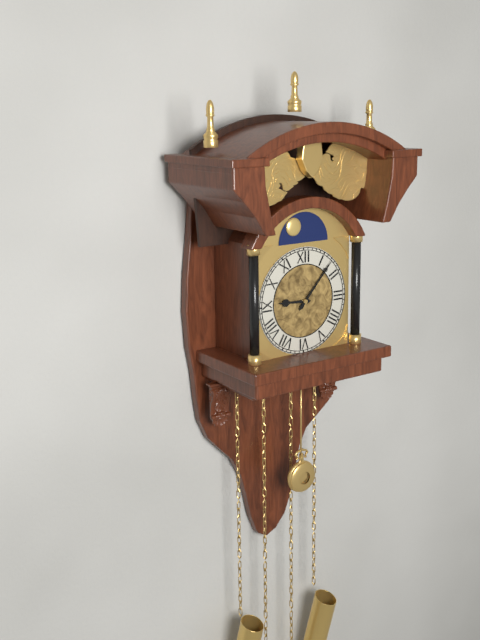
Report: 9:07
